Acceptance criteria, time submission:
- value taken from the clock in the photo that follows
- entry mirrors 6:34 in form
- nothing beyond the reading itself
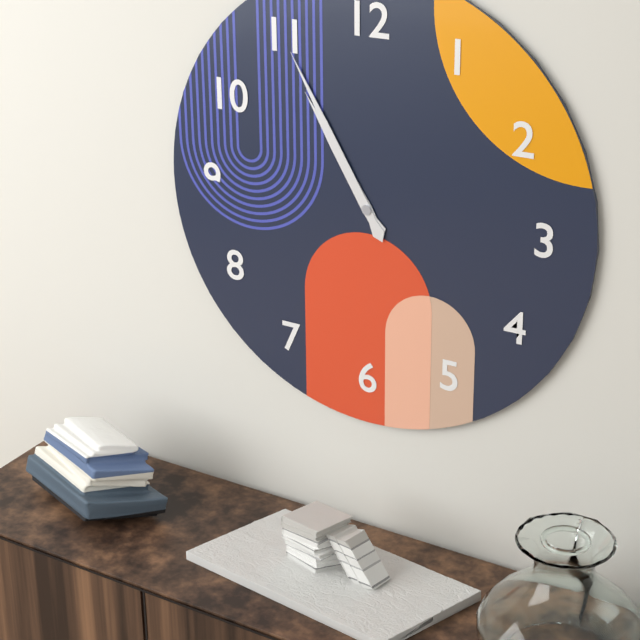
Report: 10:55
